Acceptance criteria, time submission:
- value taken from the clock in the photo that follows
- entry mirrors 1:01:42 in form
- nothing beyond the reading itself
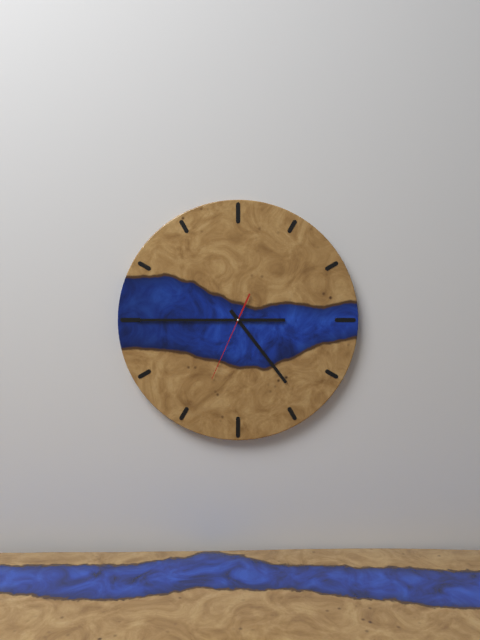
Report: 4:45:34
